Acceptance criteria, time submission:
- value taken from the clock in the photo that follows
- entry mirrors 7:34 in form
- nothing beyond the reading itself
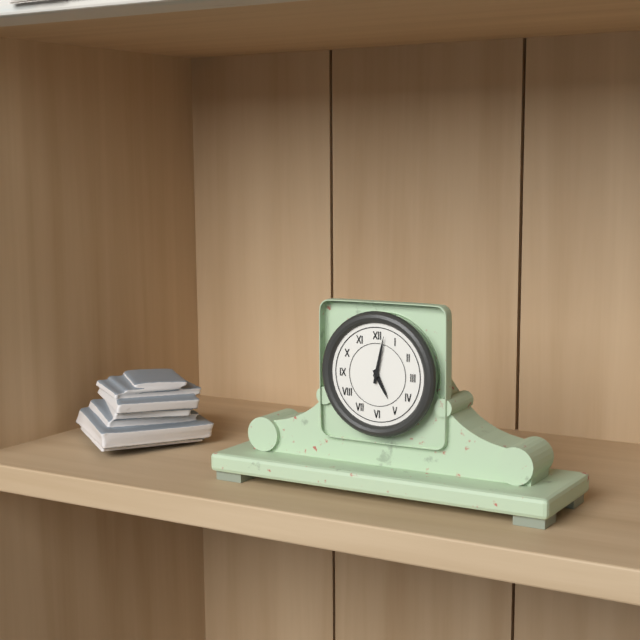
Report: 5:02
